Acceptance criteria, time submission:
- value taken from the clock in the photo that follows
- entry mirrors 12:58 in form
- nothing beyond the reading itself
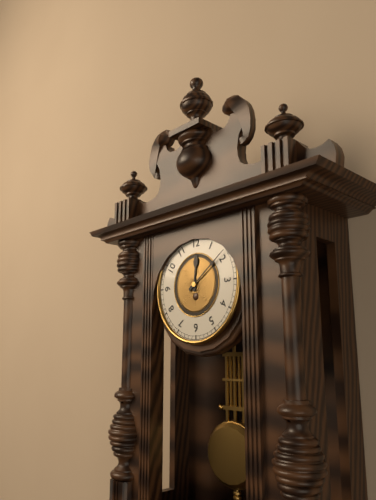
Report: 12:09
